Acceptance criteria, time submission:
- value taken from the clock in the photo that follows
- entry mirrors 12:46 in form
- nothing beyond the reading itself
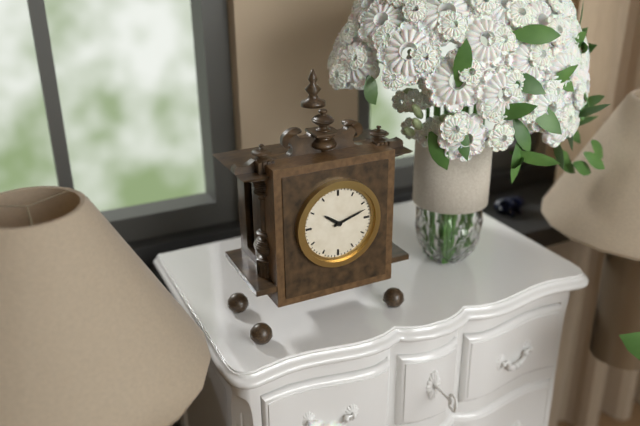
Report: 10:12
